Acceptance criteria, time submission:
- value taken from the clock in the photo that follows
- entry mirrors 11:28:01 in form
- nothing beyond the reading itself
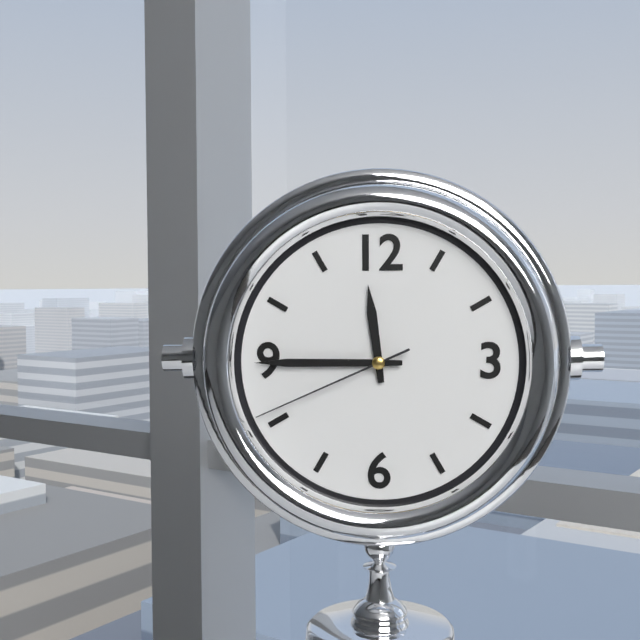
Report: 11:45:41
